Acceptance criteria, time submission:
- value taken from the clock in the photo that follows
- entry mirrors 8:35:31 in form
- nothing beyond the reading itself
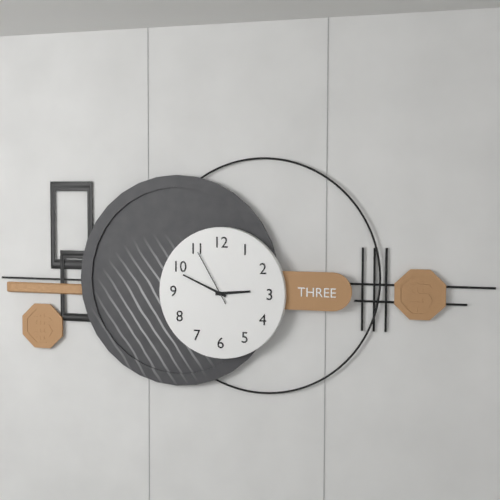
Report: 2:49:55
